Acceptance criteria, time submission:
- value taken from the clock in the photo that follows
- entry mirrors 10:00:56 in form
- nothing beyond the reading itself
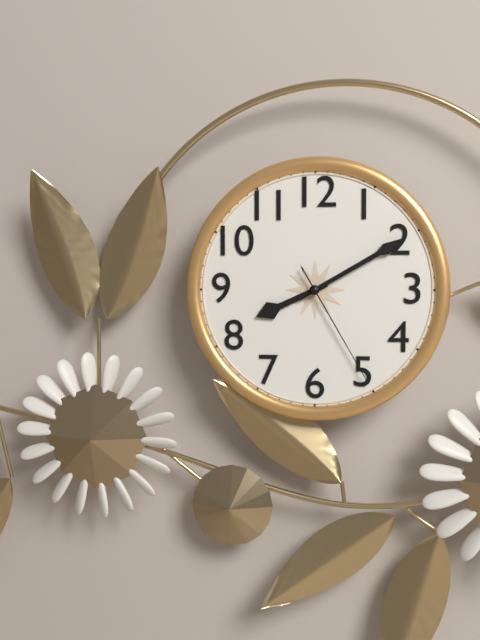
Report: 8:10:25
